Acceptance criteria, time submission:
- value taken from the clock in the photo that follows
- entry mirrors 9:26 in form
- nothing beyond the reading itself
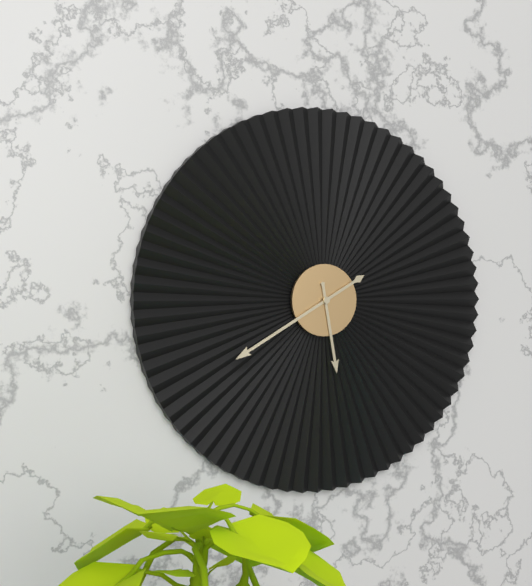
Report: 5:40
